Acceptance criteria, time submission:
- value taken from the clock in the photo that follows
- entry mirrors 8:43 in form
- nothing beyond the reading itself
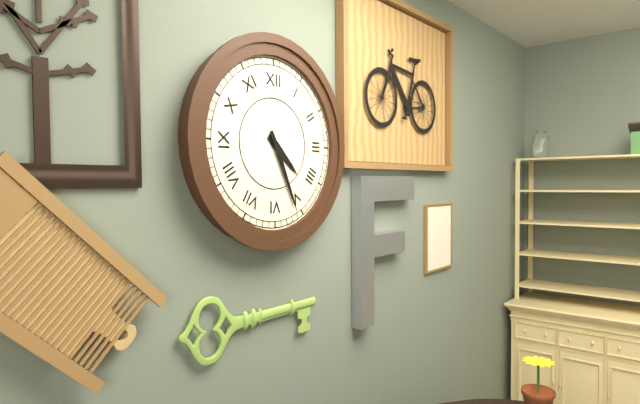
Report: 4:26
